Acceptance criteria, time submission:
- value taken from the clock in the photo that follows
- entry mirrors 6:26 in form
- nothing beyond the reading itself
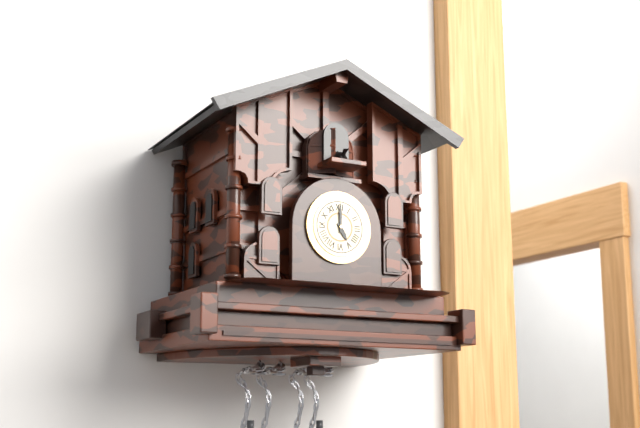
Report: 5:00
